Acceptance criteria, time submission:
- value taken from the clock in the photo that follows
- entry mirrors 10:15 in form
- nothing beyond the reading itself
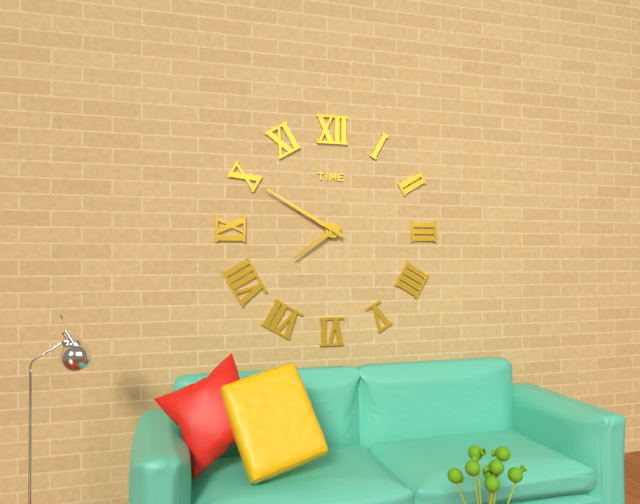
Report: 7:50
